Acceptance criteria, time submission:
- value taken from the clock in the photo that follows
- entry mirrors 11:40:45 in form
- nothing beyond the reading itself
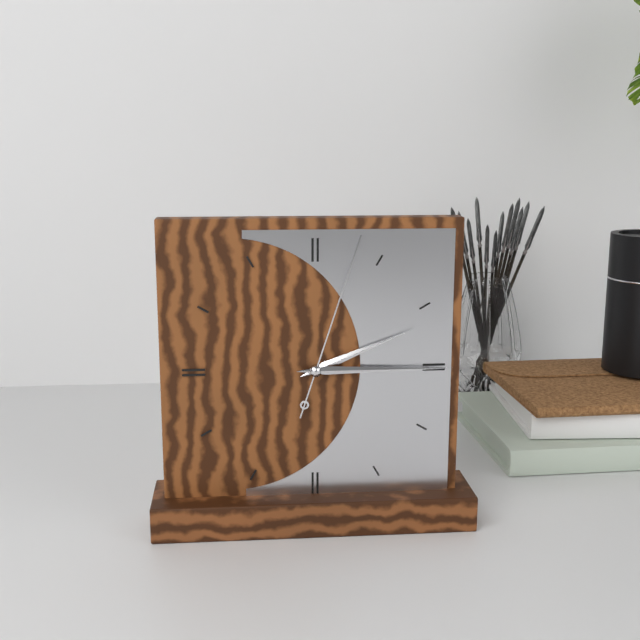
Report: 2:15:03
